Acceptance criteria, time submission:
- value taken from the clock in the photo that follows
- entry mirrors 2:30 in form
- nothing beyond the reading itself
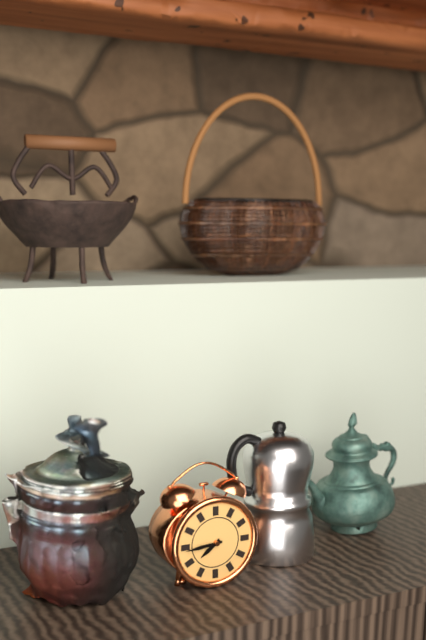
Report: 7:44
